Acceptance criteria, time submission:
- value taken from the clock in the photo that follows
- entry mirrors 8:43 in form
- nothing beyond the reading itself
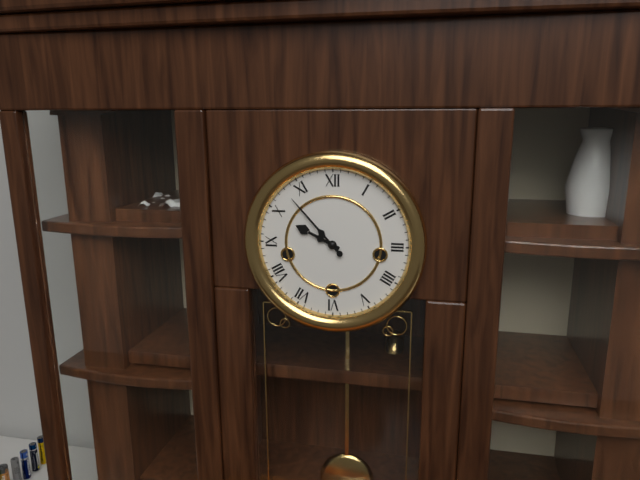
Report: 9:53
